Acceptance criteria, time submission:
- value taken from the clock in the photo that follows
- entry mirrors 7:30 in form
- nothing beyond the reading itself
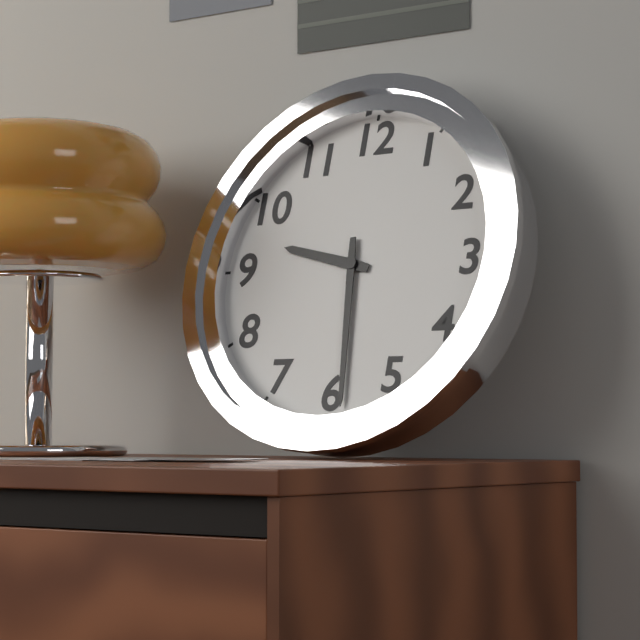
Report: 9:29
